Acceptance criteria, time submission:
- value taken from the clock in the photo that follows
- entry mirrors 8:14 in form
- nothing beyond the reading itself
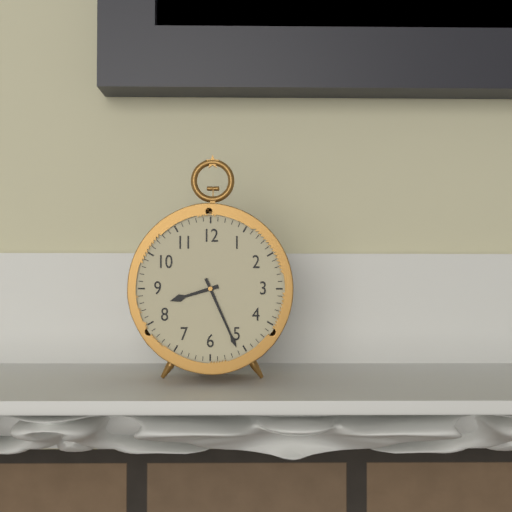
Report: 8:26
